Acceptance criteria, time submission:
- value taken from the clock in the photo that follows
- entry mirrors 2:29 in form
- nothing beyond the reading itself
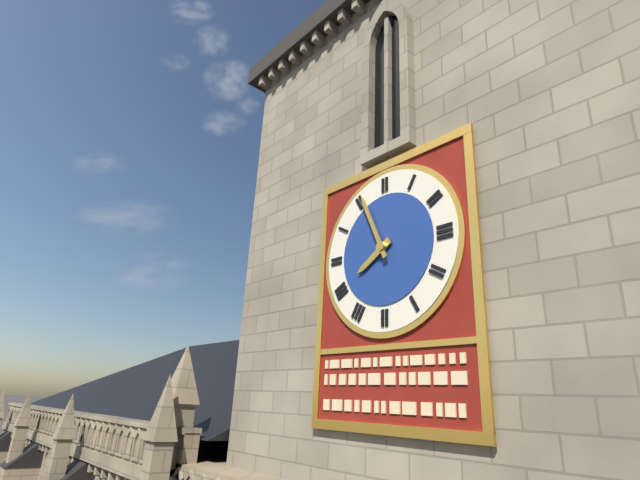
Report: 7:56
